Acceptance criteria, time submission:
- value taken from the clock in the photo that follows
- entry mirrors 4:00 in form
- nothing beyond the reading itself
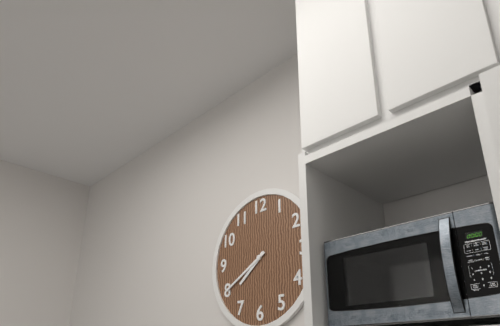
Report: 7:40
